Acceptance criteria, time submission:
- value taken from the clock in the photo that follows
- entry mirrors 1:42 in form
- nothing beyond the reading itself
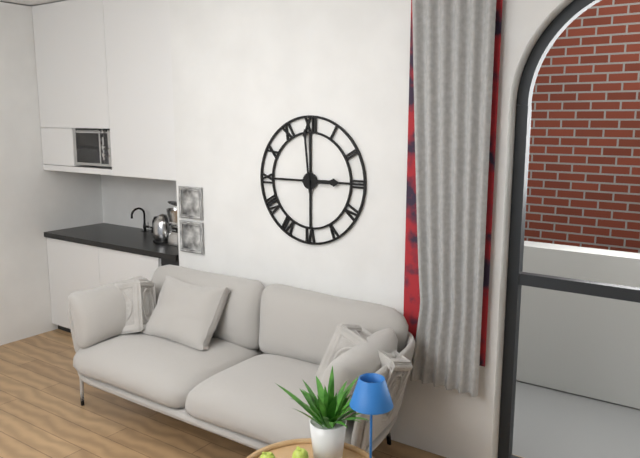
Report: 2:59
